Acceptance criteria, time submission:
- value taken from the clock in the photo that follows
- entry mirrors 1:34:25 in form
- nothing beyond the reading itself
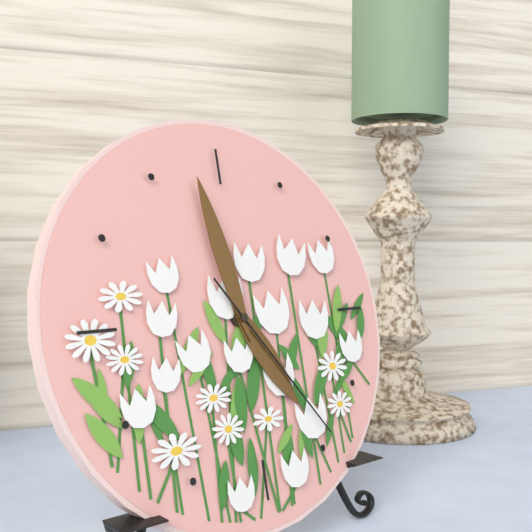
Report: 4:58:24
